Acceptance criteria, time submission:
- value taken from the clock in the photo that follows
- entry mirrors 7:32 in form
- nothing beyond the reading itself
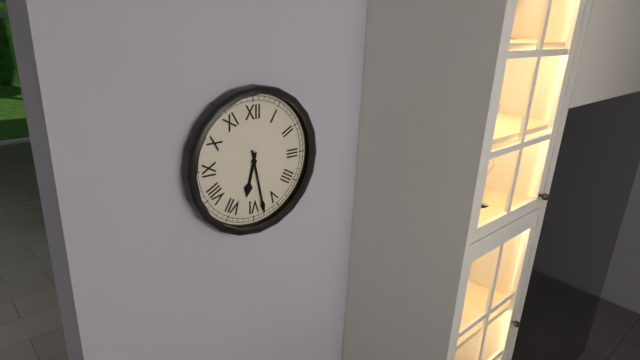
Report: 6:28
